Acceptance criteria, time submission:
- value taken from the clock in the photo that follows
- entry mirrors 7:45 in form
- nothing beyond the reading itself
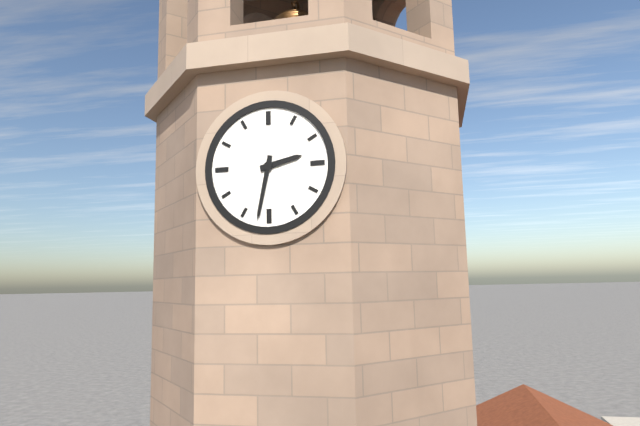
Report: 2:32
